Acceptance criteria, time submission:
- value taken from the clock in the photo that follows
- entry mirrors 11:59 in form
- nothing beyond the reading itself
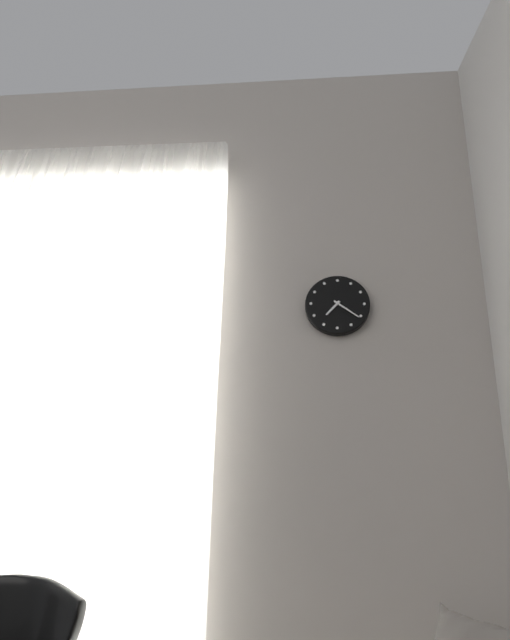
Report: 7:21
